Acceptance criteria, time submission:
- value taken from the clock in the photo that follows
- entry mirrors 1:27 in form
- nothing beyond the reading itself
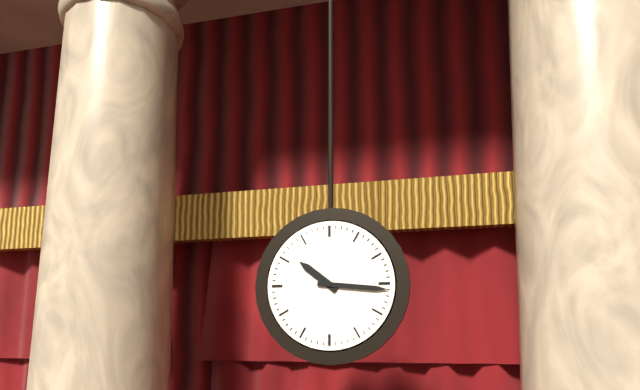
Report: 10:16
